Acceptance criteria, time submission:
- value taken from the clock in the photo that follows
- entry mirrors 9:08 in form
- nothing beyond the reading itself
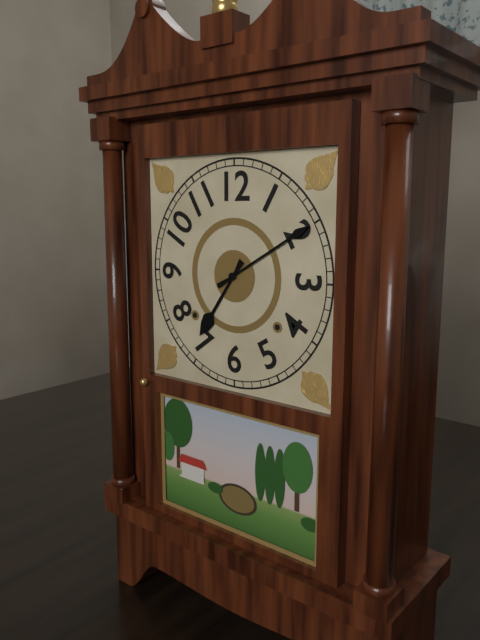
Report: 7:10
